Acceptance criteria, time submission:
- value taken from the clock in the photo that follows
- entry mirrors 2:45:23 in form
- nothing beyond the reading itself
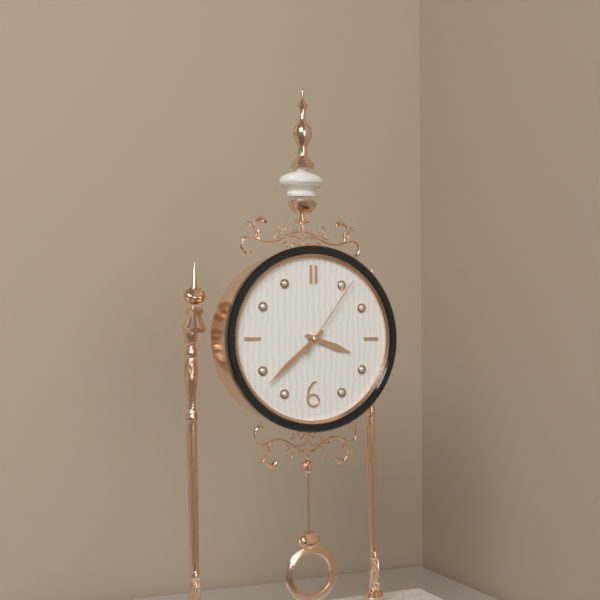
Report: 3:38:06
